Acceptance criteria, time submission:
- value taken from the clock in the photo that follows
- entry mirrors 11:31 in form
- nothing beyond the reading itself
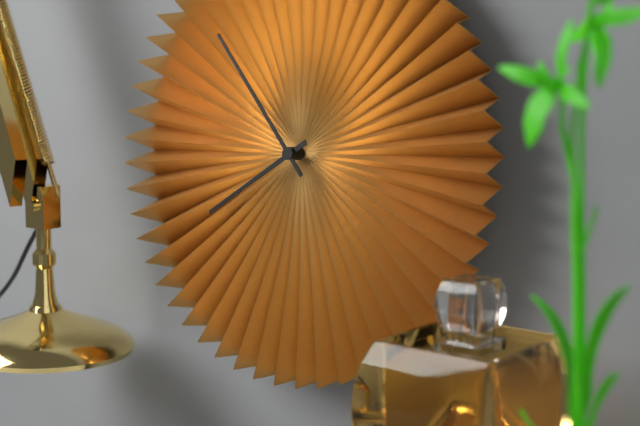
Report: 7:53
